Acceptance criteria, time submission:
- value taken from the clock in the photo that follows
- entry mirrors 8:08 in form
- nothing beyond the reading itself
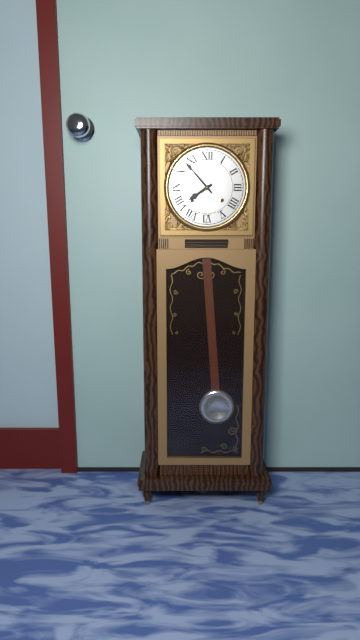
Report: 7:53
